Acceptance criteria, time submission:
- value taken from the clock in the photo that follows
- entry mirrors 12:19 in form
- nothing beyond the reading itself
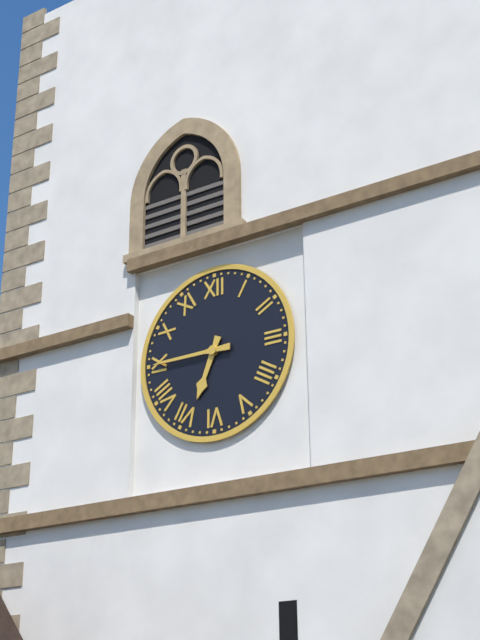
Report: 6:45
